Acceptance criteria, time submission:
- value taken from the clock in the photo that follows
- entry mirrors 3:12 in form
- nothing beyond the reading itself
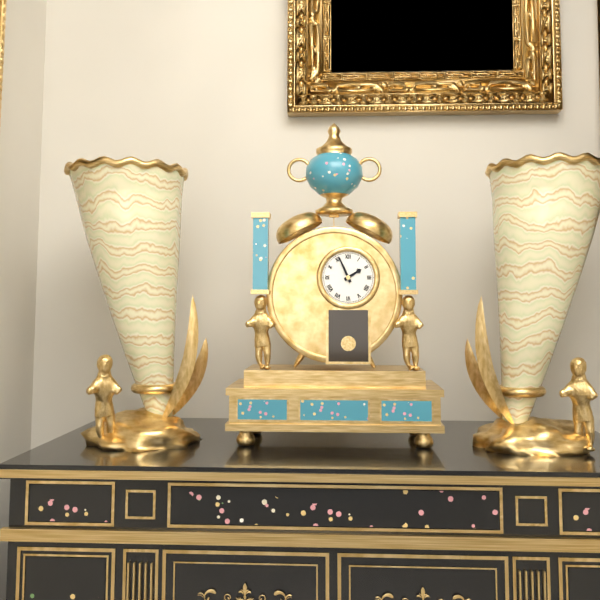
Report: 1:56
